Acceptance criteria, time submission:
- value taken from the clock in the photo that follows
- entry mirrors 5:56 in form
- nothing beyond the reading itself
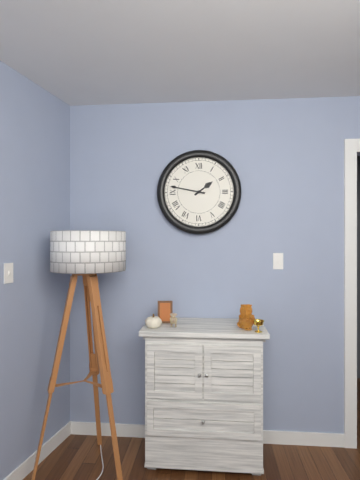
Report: 1:47
